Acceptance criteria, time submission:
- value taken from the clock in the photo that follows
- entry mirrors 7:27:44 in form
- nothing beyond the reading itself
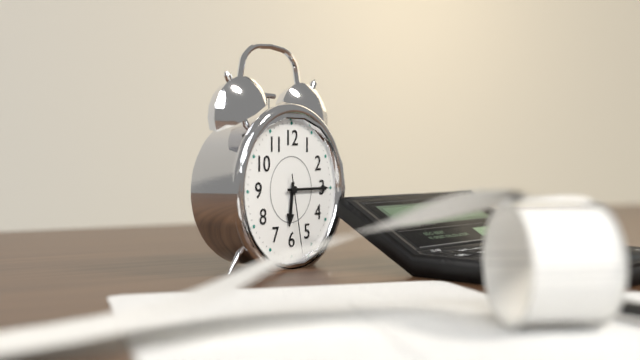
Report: 6:15:28
